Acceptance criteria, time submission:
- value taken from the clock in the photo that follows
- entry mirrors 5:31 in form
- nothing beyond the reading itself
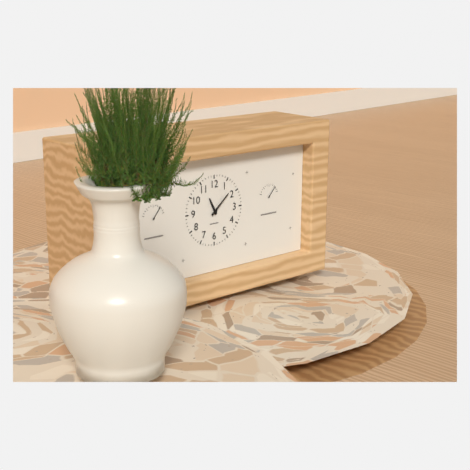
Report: 11:08
